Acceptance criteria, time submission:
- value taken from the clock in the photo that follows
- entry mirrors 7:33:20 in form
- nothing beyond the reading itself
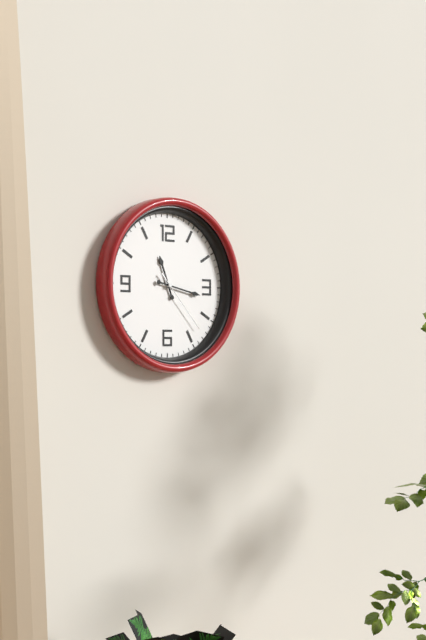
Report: 11:17:23
